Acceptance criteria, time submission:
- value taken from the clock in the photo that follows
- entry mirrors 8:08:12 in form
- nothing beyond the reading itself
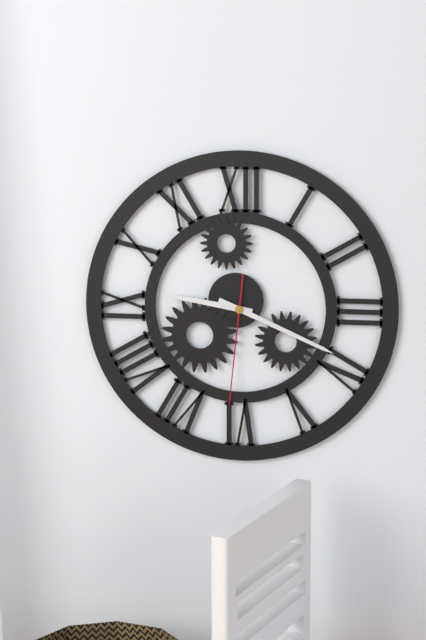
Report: 9:19:31
